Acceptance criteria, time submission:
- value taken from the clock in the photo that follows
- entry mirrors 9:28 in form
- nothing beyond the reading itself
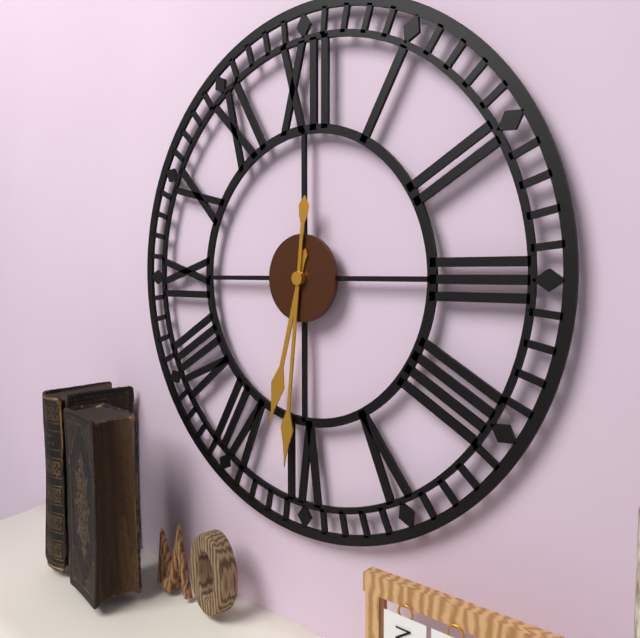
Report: 6:31
